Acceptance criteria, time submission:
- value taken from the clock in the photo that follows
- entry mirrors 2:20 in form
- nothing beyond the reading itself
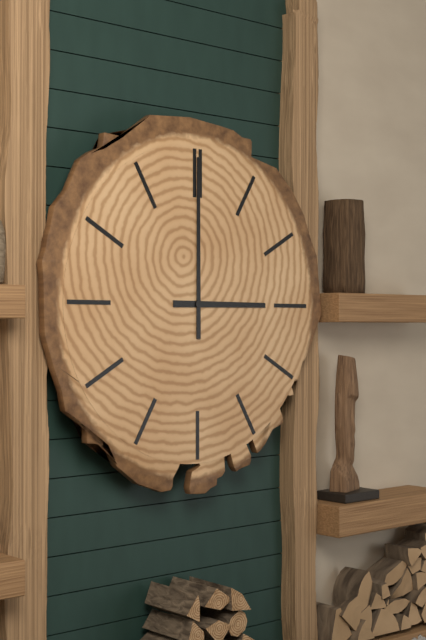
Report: 3:00
